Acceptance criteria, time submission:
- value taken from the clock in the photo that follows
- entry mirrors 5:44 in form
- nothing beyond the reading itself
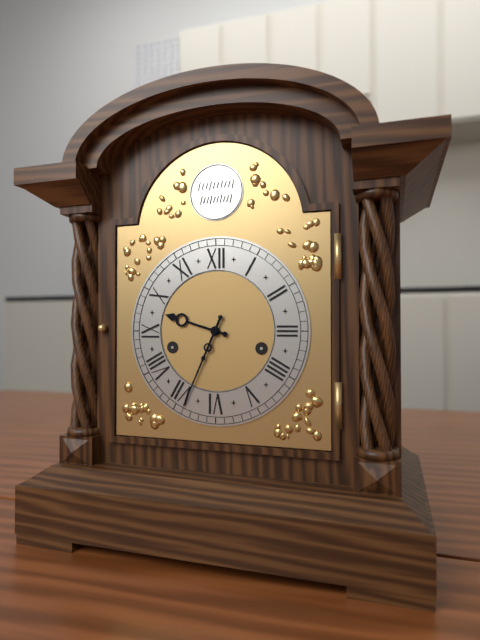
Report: 9:34
